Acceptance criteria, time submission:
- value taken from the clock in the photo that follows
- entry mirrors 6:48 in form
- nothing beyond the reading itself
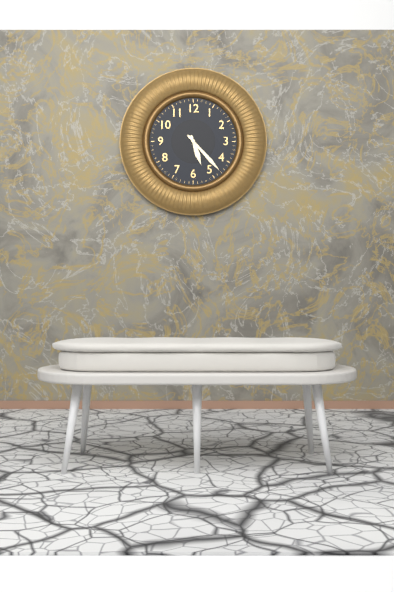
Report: 5:23
